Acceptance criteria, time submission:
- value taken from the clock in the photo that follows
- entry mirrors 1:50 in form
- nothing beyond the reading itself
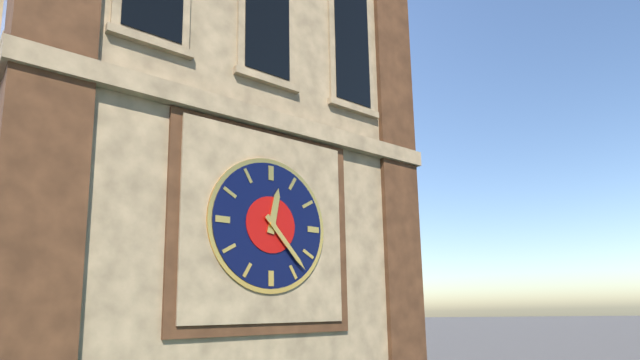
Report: 12:23
